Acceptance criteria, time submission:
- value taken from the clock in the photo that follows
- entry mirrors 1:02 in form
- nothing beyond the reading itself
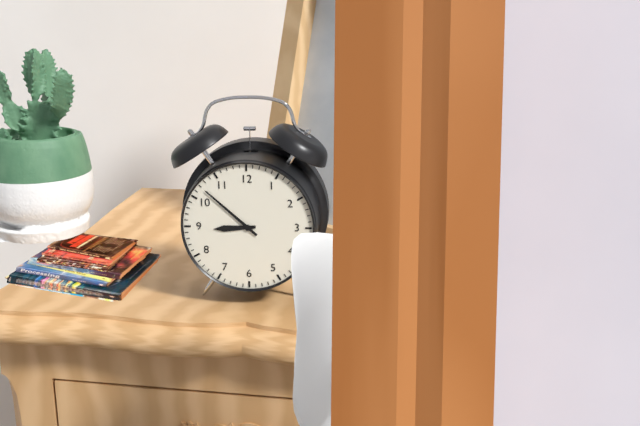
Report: 8:52
